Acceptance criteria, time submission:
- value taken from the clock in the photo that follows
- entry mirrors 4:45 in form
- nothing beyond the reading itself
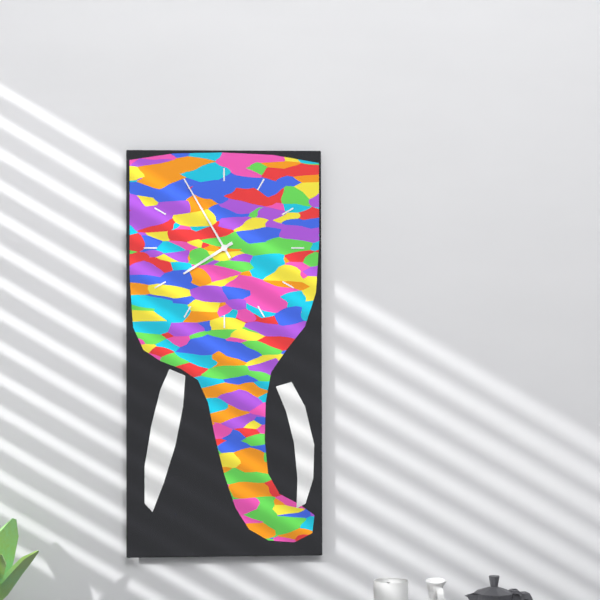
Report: 7:55
